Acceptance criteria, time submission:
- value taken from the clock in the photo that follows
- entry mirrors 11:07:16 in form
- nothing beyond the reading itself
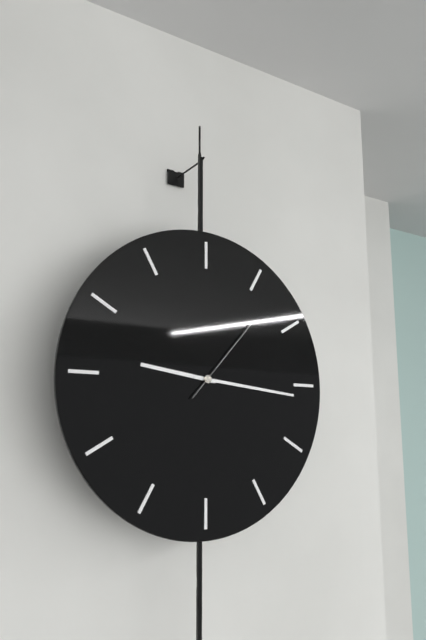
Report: 9:16:07
